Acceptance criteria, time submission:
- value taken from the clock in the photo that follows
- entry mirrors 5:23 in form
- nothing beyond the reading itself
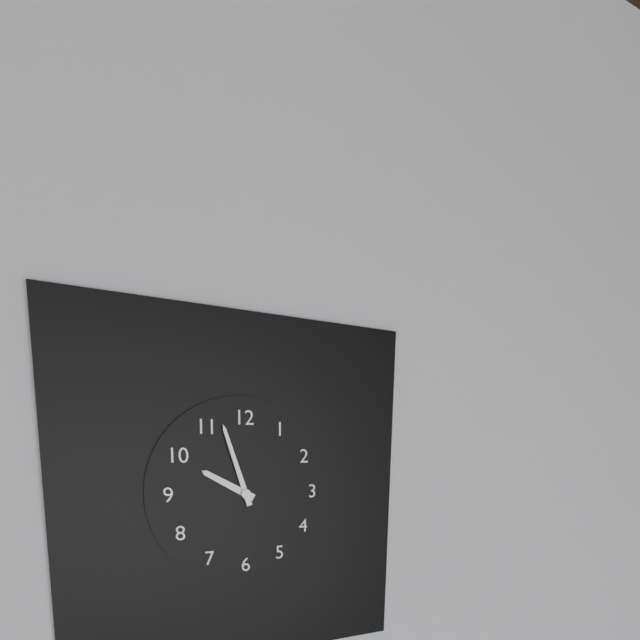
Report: 9:57
